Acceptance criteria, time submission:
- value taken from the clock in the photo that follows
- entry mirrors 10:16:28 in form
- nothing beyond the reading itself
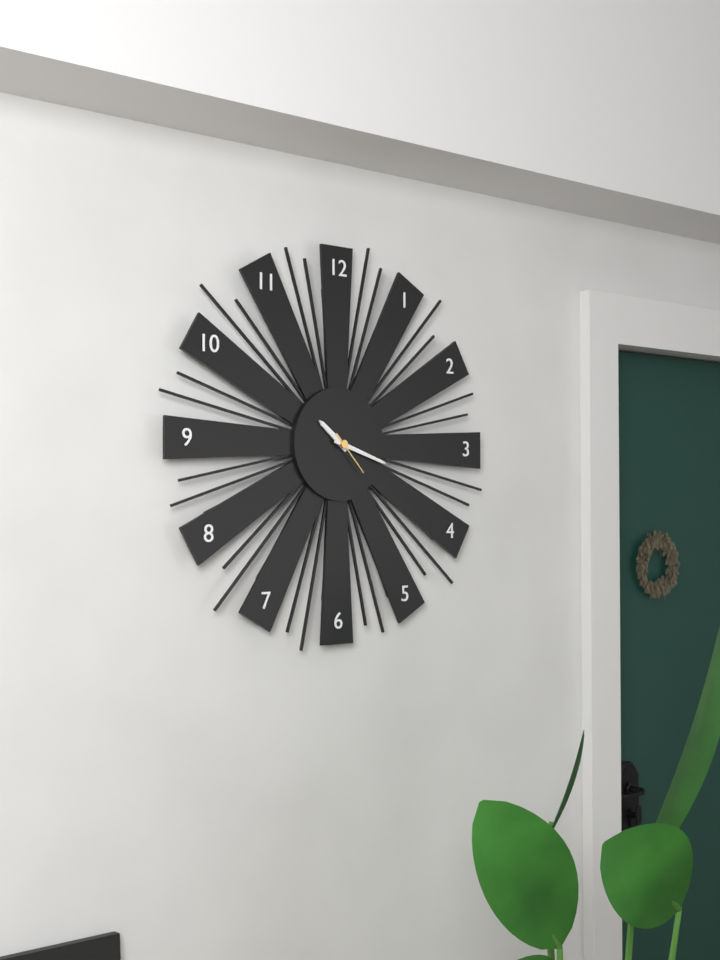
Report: 10:18:23
